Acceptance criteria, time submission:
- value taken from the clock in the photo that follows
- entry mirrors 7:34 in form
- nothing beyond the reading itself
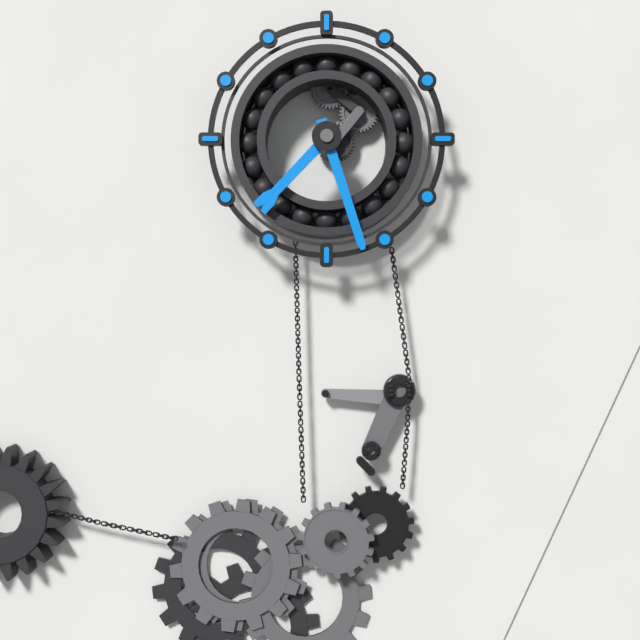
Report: 7:27
